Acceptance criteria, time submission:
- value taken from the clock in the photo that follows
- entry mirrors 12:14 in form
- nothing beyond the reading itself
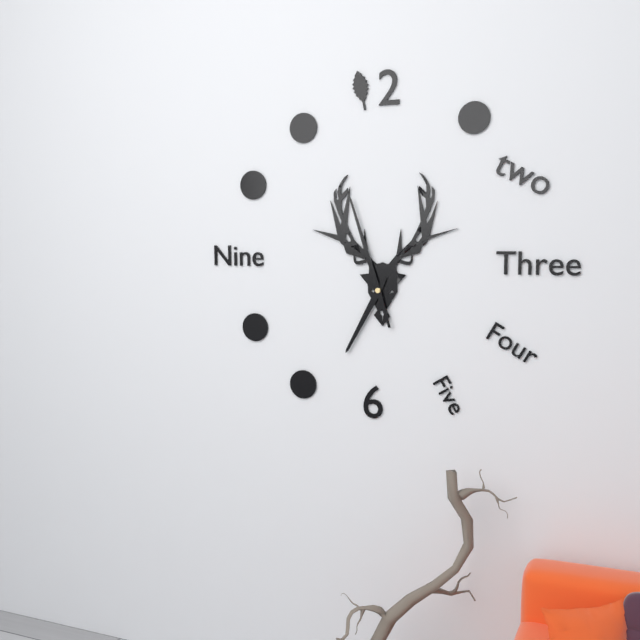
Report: 6:57
